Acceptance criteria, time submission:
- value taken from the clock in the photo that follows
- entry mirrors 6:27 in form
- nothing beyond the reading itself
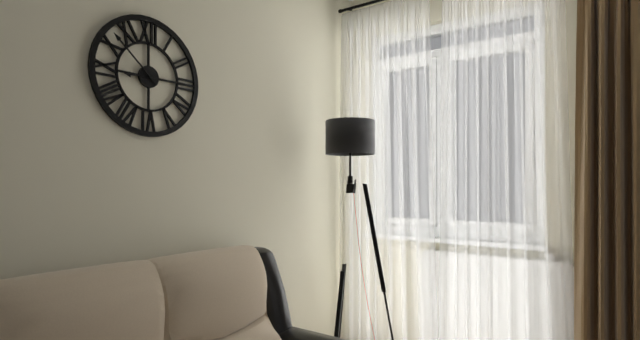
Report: 8:52
